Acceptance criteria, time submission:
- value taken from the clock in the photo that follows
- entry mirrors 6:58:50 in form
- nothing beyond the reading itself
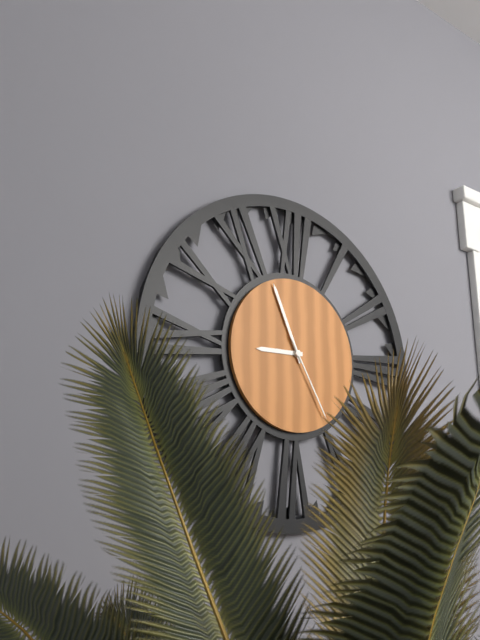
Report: 8:56:25
